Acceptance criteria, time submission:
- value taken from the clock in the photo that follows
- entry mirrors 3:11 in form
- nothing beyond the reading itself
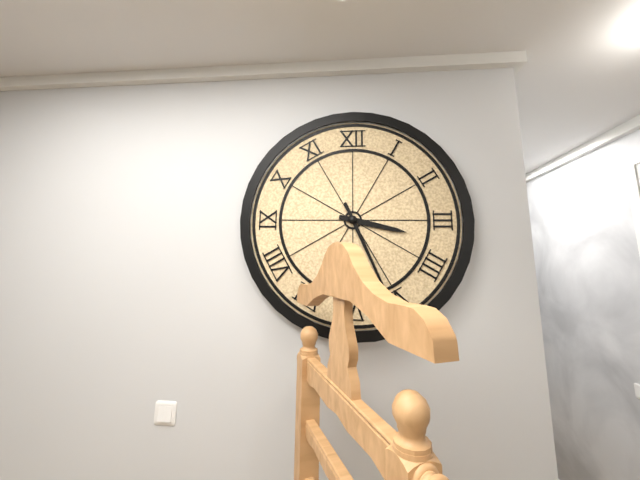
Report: 3:26
